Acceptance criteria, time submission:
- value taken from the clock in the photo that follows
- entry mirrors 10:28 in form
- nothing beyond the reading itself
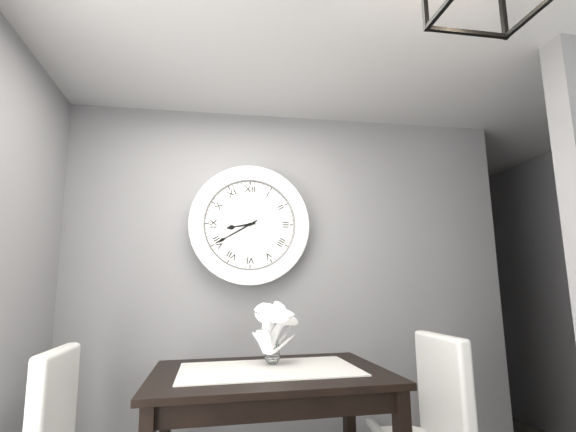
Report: 8:40
